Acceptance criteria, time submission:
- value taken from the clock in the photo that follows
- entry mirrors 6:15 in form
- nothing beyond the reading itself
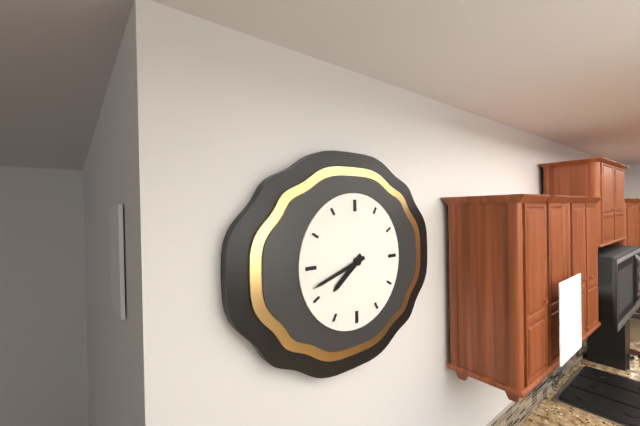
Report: 7:42
